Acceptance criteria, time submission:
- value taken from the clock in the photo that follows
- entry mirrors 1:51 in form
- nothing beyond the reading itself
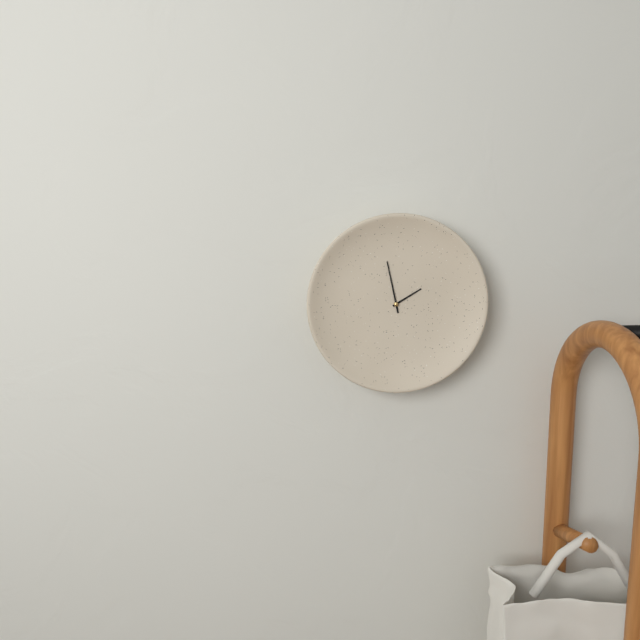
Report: 1:58
